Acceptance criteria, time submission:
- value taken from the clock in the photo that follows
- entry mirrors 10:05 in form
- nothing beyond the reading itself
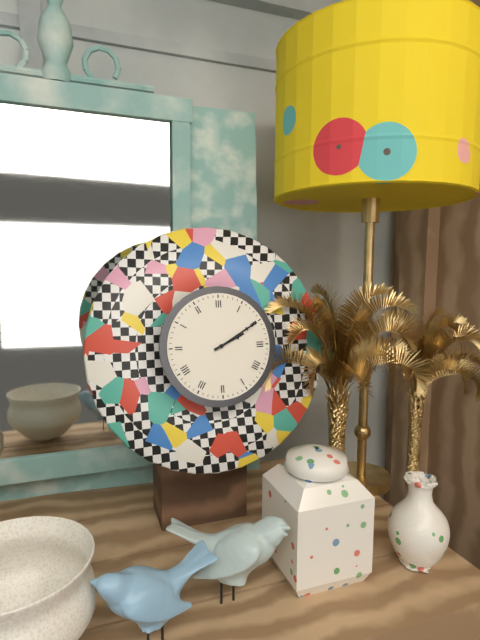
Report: 2:10
